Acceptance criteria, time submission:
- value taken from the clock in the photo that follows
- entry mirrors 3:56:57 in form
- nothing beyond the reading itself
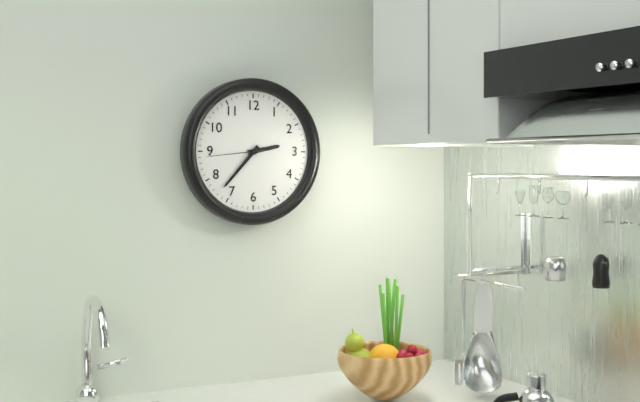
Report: 2:37:44
